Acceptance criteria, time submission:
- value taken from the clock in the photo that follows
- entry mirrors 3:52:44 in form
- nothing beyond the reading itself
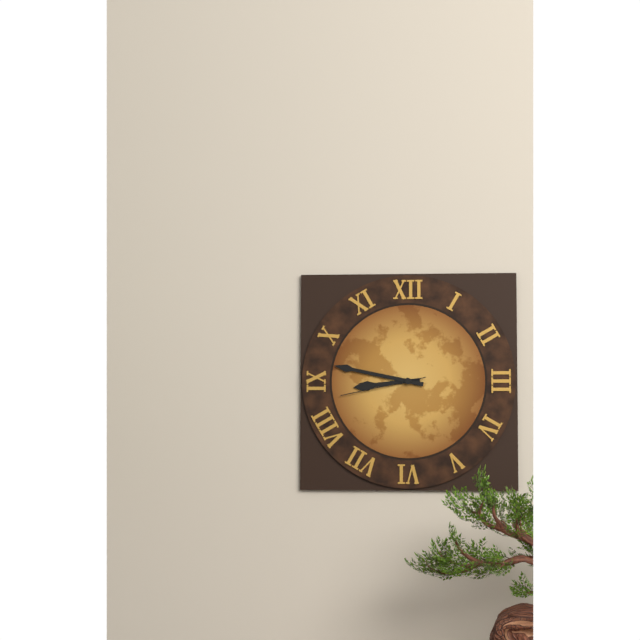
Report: 8:47:43
